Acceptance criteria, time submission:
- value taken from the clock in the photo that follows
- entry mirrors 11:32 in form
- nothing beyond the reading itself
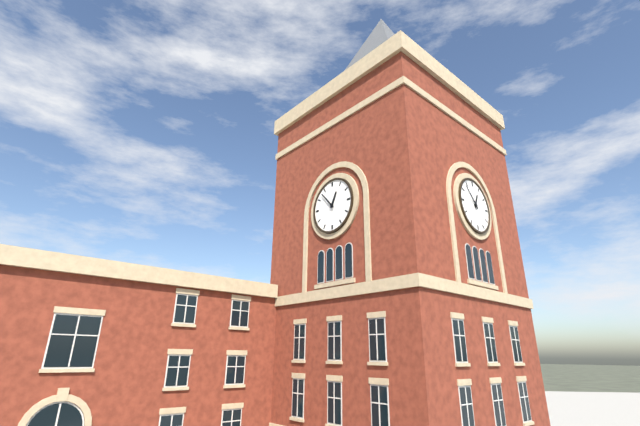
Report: 12:53
